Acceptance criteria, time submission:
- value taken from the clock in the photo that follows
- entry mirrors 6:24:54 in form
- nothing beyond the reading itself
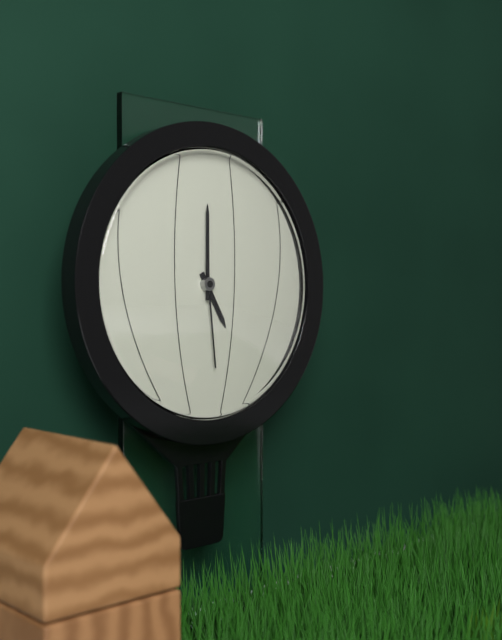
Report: 5:00:29
